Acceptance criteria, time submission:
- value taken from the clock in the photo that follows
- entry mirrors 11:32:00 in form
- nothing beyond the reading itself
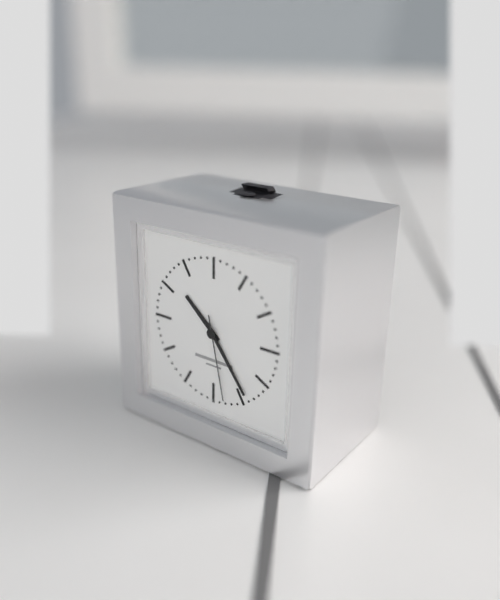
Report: 10:24:28
